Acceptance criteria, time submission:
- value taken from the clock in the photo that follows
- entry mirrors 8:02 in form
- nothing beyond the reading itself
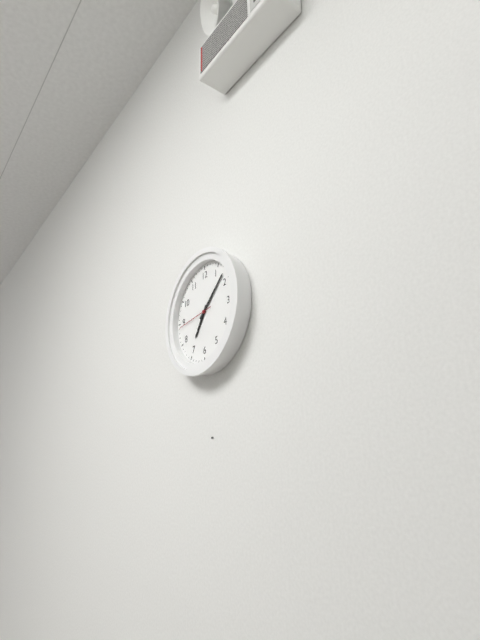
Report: 7:08
